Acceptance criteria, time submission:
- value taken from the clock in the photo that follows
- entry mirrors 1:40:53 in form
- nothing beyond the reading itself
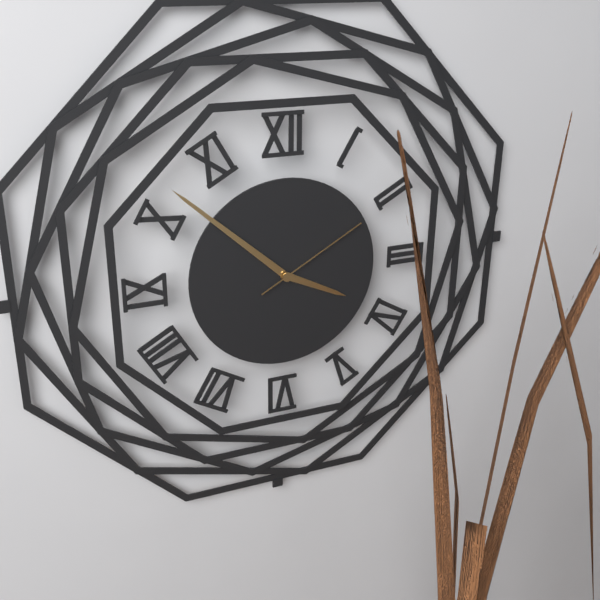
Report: 3:52:10
